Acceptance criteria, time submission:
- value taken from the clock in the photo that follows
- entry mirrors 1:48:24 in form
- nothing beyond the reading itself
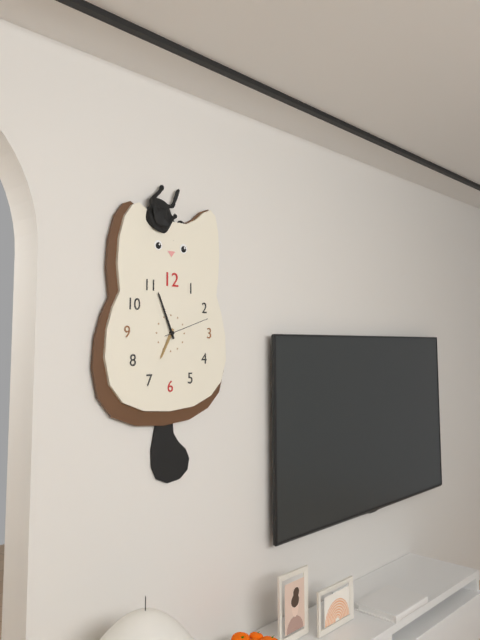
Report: 6:56:12
